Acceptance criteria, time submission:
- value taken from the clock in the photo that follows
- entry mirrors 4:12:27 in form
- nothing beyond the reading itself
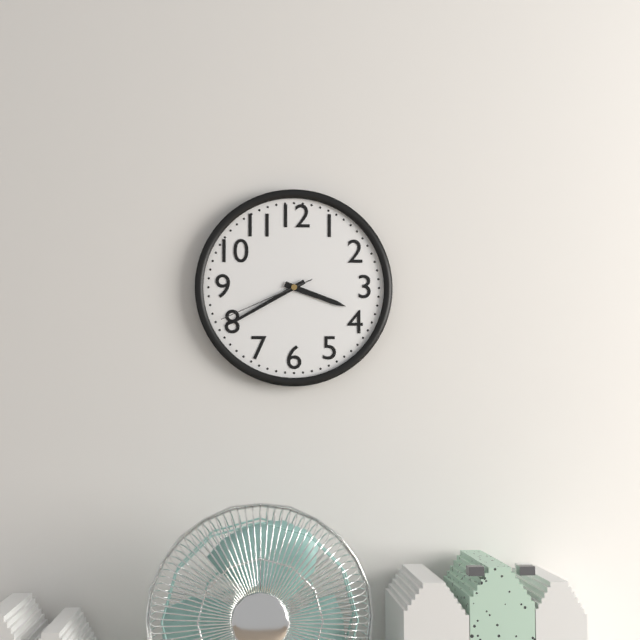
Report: 3:40:41
